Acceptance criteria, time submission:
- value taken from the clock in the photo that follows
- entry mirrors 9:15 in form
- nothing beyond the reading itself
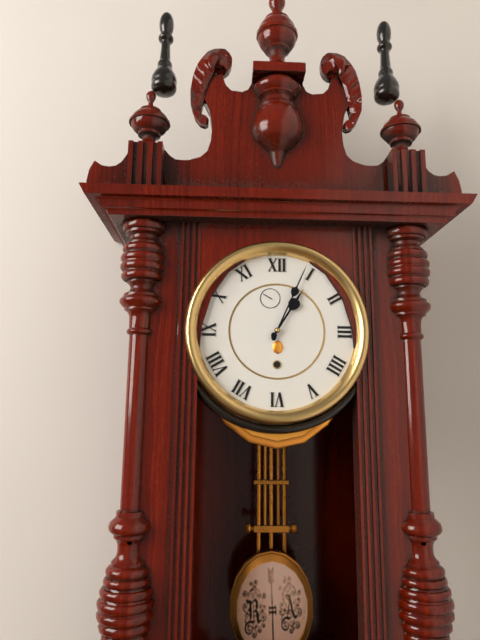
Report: 1:04
